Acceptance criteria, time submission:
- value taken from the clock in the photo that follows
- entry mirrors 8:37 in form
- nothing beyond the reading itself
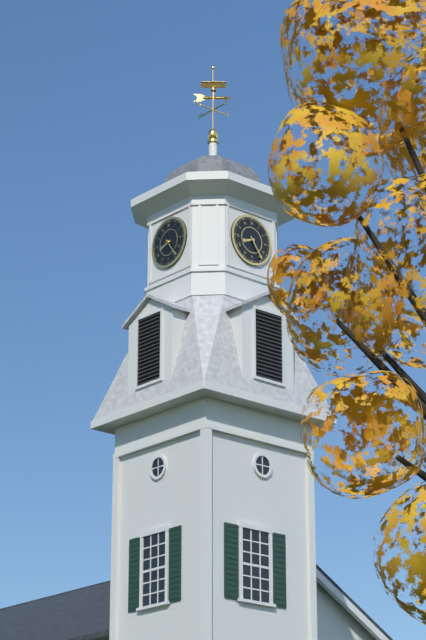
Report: 8:24
